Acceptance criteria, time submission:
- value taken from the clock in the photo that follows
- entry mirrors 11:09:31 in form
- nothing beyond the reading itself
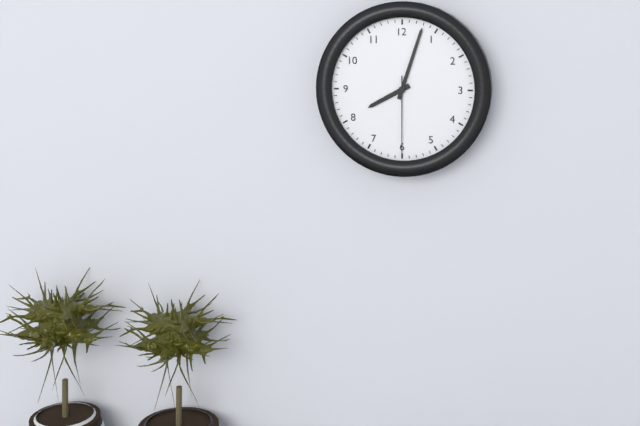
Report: 8:03:30
